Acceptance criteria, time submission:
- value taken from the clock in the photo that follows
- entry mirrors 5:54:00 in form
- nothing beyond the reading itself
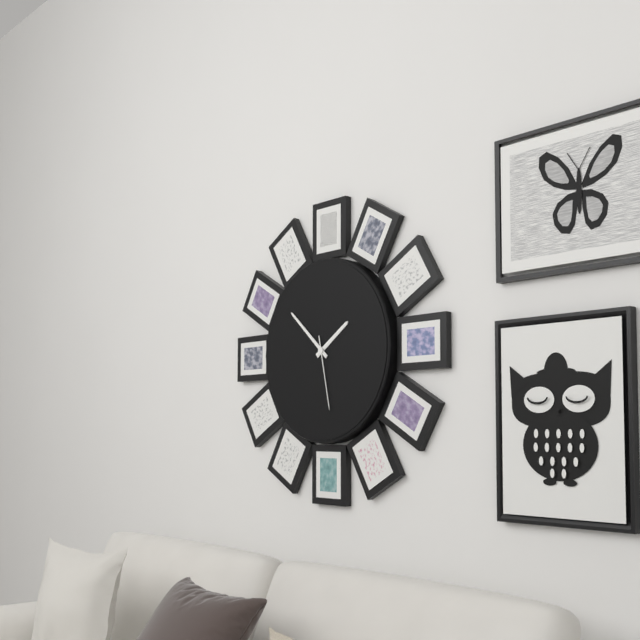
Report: 1:52:28
